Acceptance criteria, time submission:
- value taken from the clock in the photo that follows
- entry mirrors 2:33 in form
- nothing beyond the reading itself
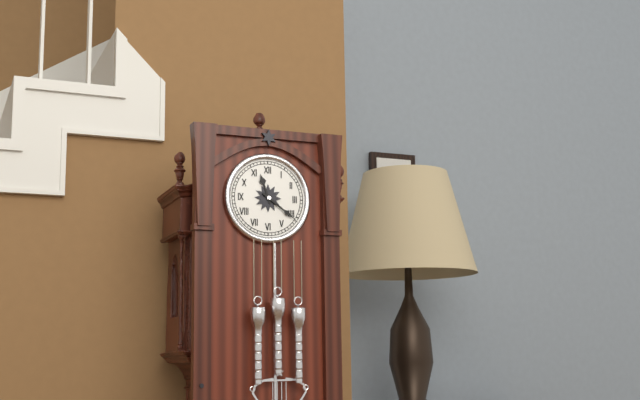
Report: 11:21
